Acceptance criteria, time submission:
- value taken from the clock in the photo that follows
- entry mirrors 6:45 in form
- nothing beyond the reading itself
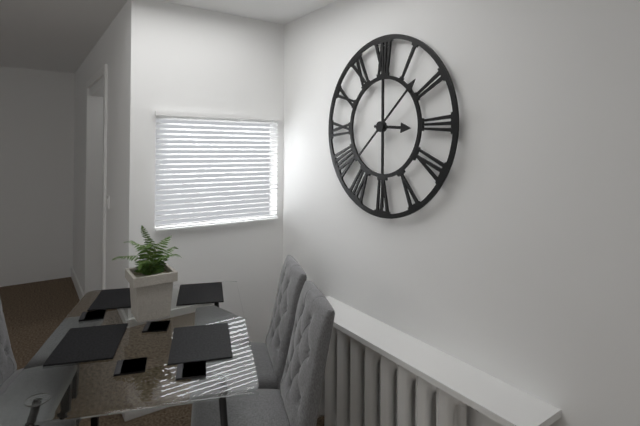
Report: 3:08
